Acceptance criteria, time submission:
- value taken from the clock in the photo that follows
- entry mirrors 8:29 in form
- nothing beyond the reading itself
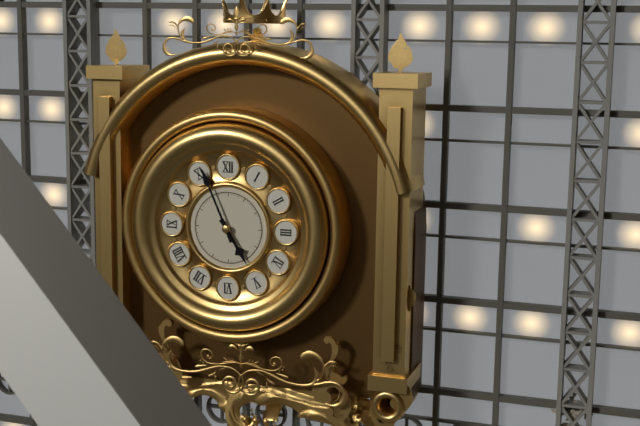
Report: 4:56
